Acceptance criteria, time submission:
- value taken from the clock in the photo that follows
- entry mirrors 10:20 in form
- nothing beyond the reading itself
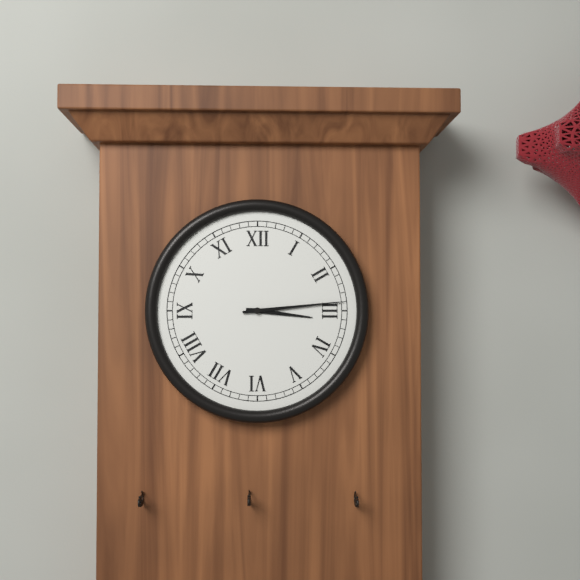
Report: 3:14
